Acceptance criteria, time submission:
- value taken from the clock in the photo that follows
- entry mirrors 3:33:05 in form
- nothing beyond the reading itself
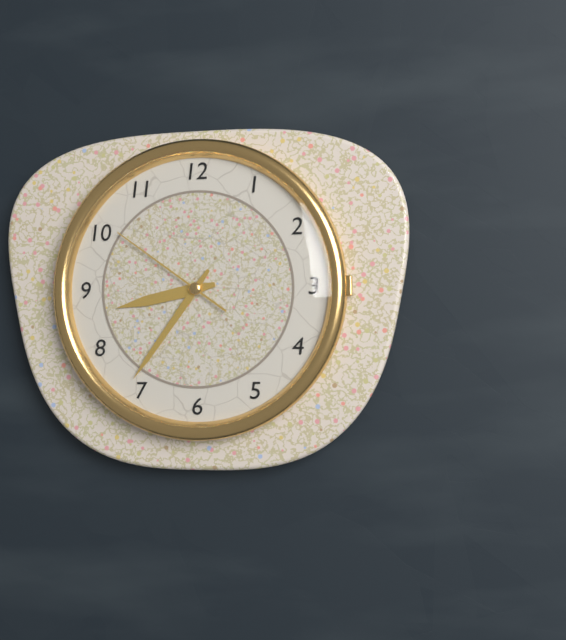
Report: 8:36:51
